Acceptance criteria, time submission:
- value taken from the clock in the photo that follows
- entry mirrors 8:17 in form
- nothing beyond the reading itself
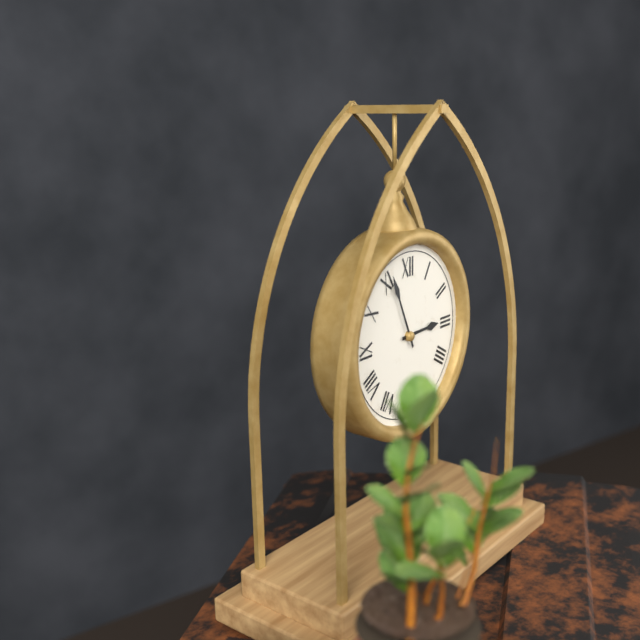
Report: 2:56
